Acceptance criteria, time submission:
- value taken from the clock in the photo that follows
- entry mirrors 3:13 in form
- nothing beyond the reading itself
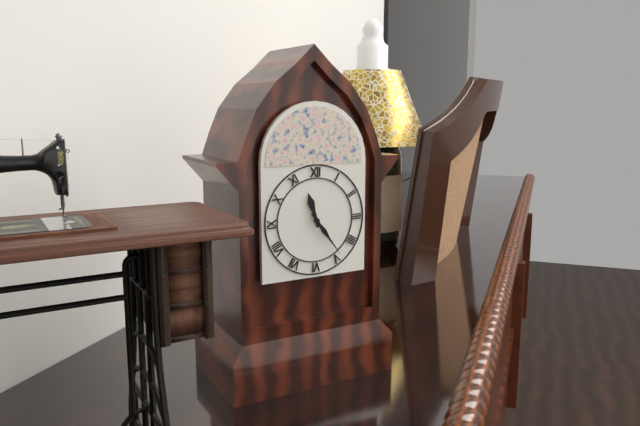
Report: 11:24
